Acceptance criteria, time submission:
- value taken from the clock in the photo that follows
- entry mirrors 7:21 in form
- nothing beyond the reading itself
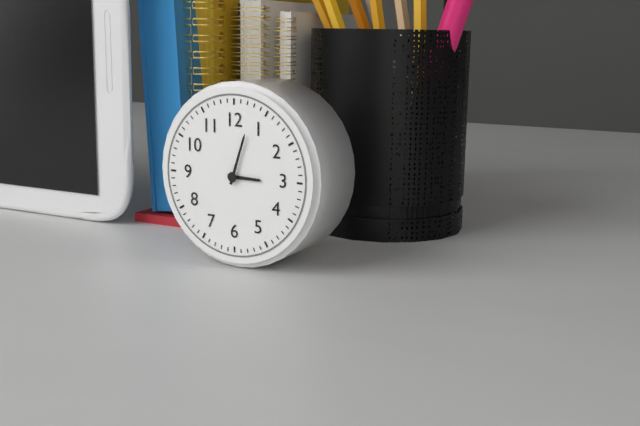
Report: 3:03
